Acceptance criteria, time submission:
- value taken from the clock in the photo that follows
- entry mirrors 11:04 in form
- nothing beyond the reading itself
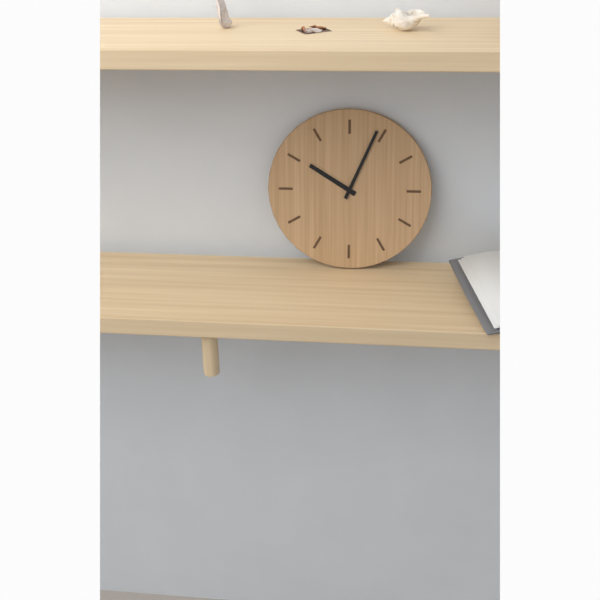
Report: 10:04
